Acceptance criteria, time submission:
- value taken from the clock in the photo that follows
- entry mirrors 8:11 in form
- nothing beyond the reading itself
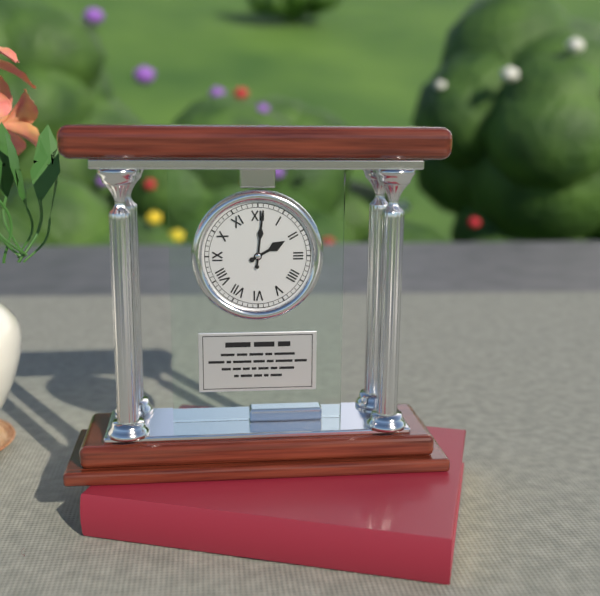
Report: 2:01
